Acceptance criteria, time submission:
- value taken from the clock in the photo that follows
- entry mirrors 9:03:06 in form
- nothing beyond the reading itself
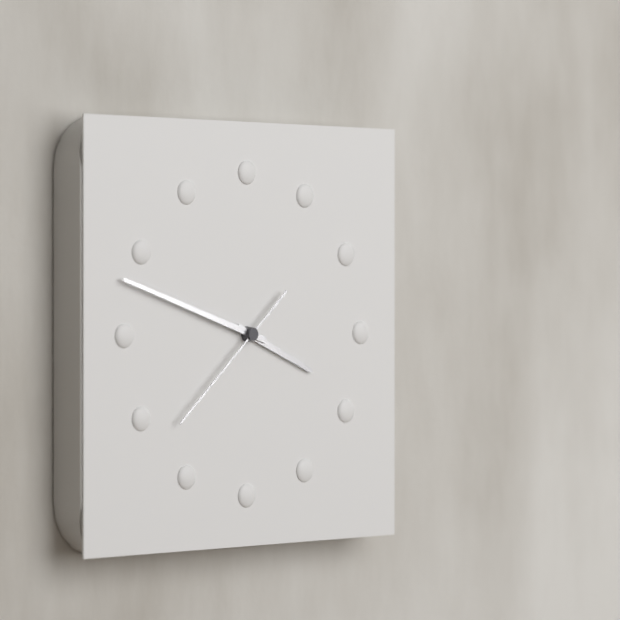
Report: 3:48:38
